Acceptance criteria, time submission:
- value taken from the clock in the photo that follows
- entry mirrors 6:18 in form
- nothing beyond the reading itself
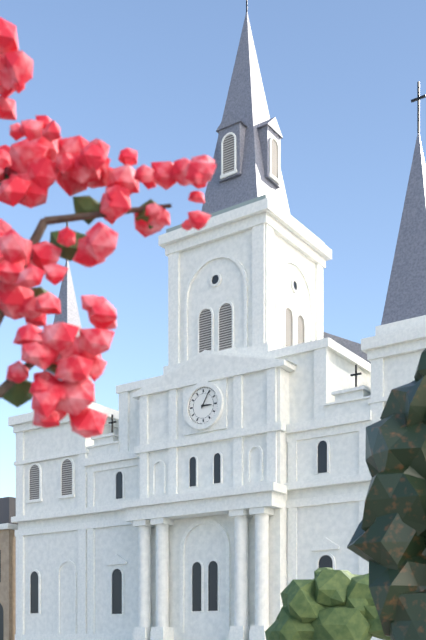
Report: 3:05
